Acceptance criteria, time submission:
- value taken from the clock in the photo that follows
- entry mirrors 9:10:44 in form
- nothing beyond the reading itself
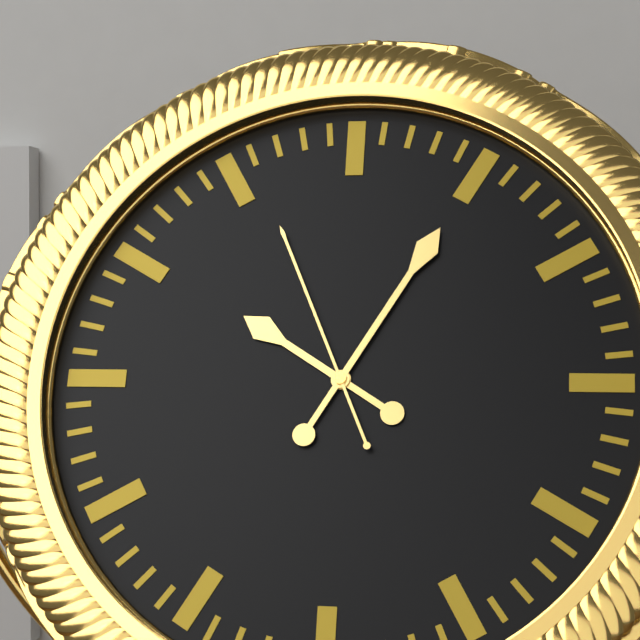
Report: 10:05:56
